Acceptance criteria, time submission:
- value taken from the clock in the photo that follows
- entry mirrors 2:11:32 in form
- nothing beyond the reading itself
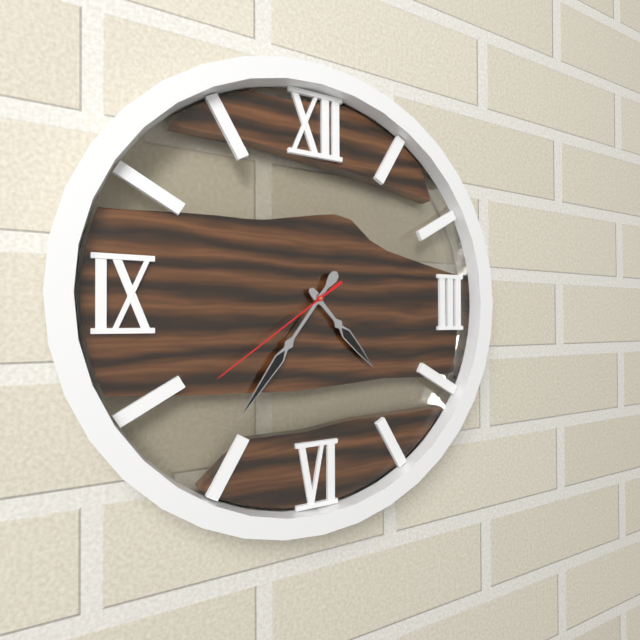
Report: 4:36:39
